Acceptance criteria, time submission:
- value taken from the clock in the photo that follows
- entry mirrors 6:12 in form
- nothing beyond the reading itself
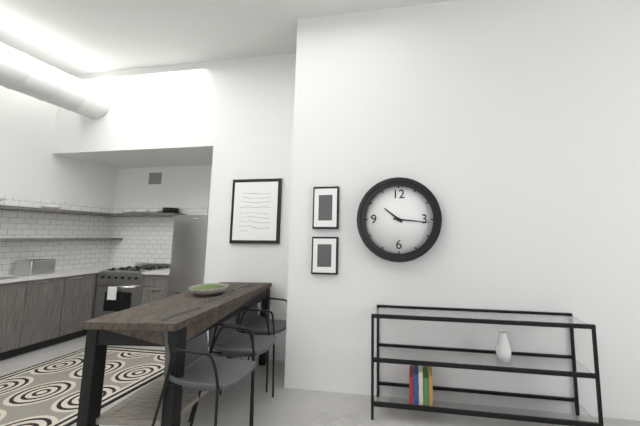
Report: 10:16
